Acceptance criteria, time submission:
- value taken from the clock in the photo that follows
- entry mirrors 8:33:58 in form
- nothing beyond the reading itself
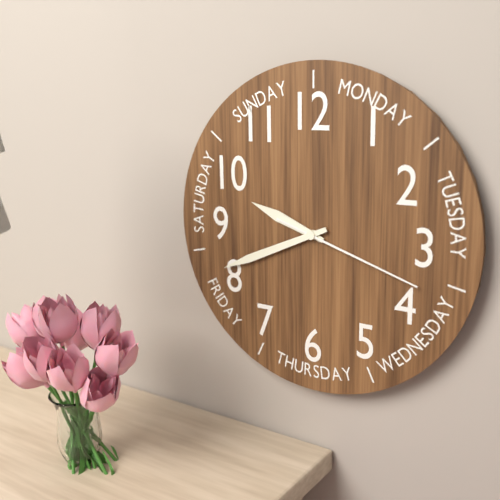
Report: 9:41:18
